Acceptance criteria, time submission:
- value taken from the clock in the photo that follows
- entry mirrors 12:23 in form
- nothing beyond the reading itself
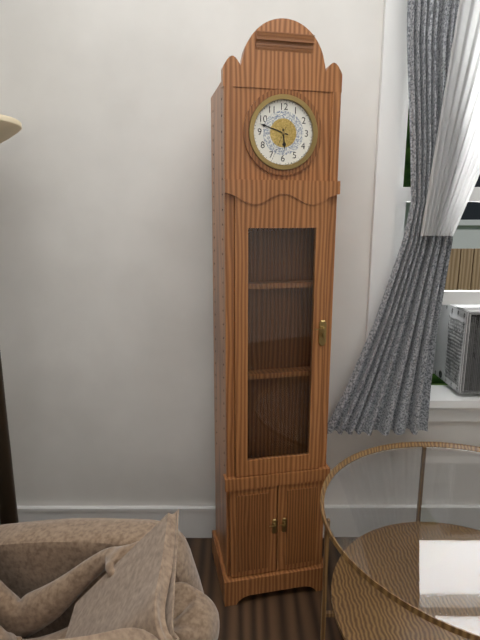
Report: 5:48
